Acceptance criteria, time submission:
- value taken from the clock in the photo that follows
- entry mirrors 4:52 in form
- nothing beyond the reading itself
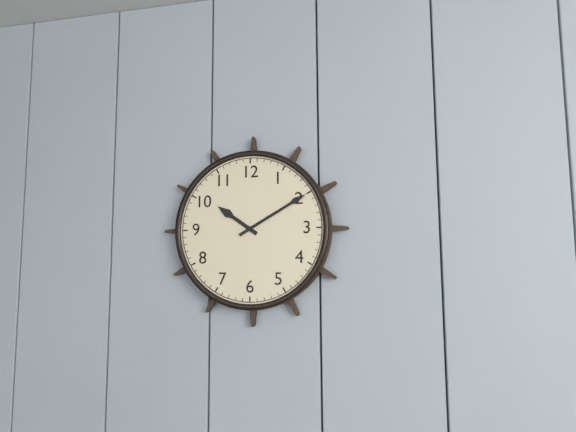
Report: 10:10
